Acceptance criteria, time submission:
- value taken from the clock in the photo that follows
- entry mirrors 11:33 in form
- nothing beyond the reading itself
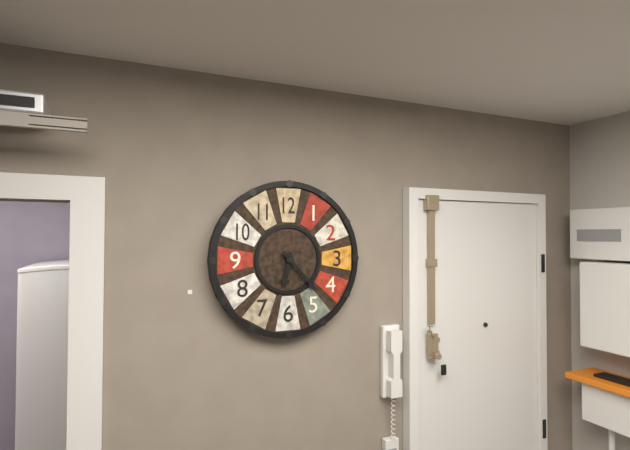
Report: 6:23
